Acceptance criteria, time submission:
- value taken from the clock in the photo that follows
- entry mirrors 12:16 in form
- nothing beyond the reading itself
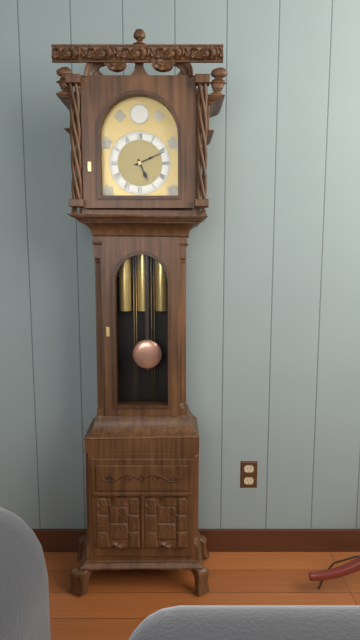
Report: 5:11
